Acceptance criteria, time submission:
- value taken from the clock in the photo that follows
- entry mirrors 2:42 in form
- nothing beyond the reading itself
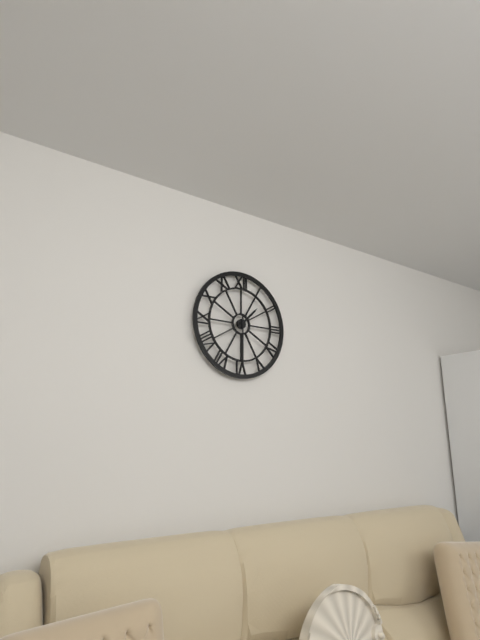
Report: 1:30
